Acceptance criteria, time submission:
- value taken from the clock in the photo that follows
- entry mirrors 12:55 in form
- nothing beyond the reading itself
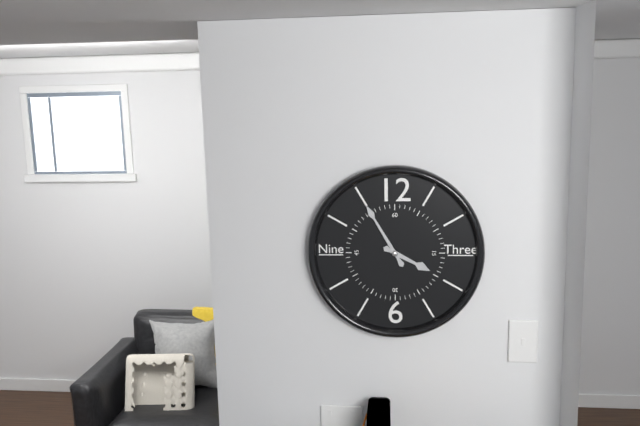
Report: 3:55
